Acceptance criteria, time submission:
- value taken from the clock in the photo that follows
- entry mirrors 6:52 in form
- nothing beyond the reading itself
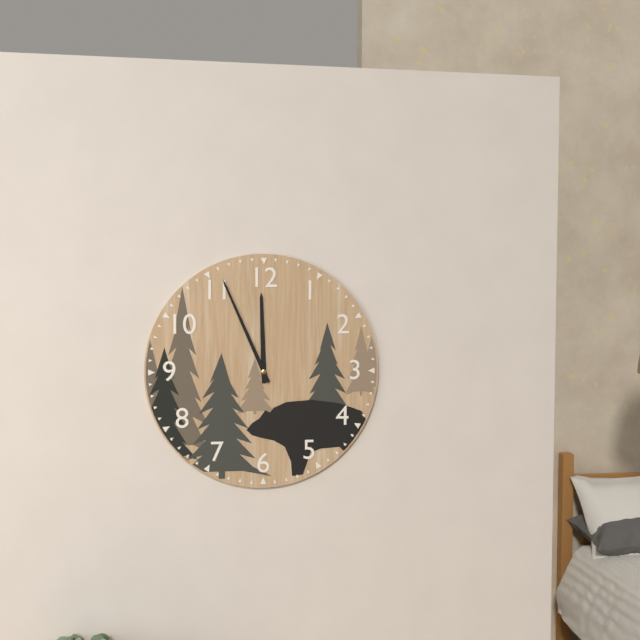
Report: 11:56
